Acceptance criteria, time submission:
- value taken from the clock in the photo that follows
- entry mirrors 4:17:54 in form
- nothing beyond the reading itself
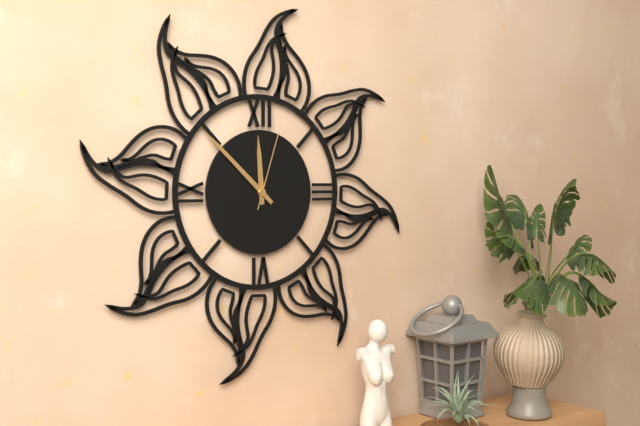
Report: 11:52:03
